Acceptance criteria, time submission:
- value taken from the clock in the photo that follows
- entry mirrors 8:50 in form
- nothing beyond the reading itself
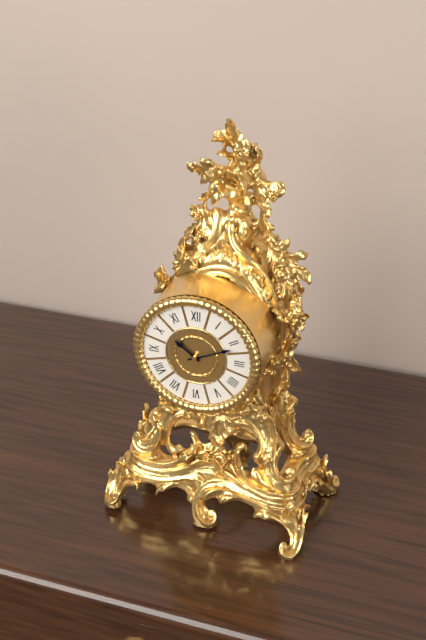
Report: 10:11
